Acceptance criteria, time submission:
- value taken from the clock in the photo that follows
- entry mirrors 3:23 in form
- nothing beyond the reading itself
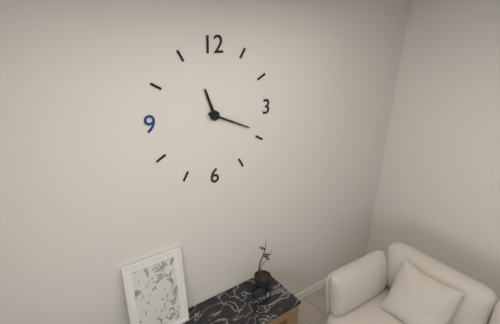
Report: 11:19
